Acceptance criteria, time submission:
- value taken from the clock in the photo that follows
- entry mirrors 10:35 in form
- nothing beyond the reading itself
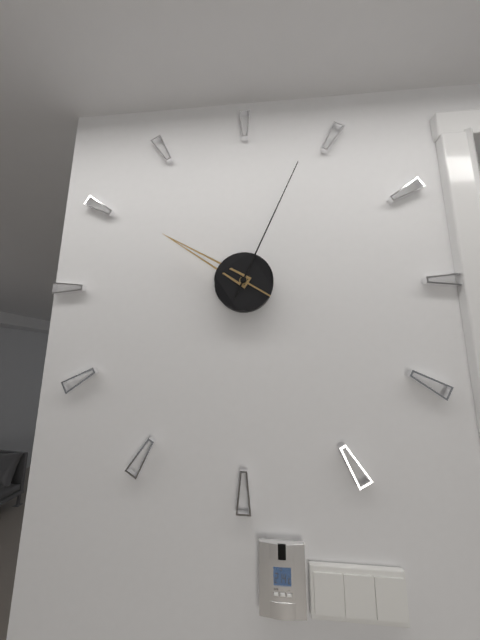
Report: 10:04
